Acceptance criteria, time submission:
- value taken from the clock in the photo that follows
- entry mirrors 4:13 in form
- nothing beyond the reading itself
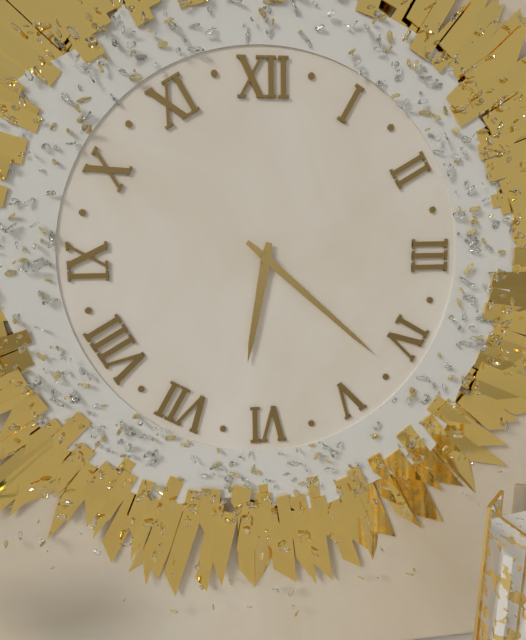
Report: 6:22
